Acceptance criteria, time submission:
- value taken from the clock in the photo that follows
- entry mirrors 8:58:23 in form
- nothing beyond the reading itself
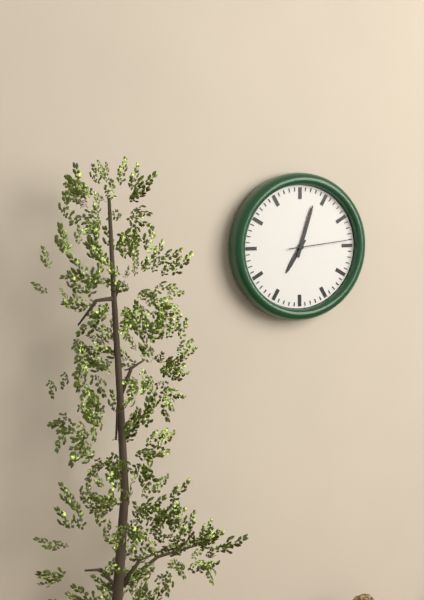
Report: 7:03:14
